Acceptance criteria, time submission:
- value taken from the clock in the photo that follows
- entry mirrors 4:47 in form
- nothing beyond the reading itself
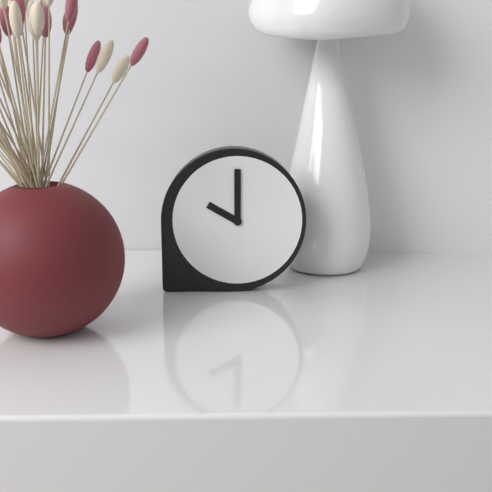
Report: 10:00
